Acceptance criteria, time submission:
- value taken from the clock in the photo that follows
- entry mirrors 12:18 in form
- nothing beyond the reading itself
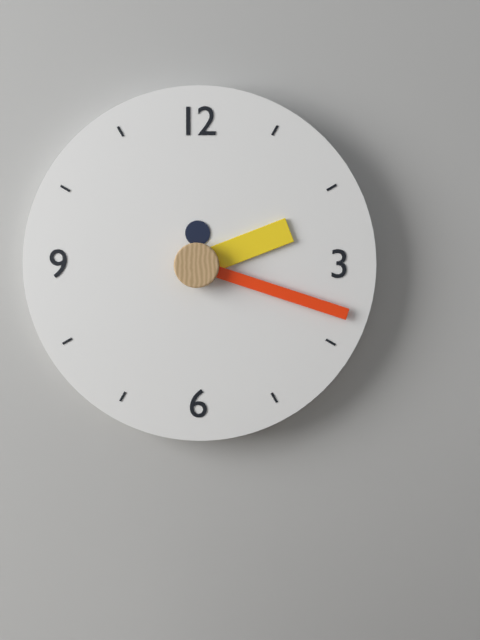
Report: 2:18
